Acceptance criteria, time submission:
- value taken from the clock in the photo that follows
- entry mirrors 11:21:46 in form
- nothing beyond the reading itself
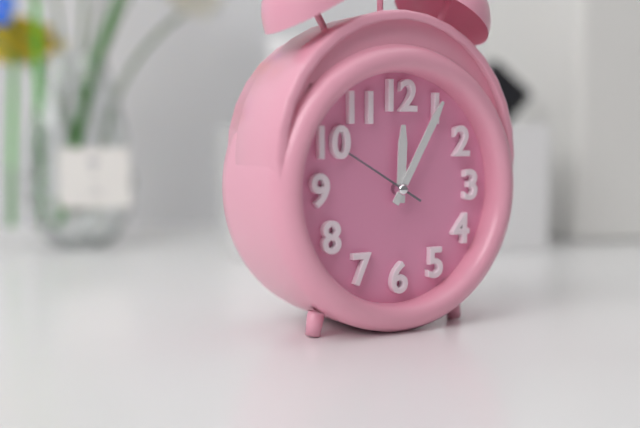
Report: 12:05:50
